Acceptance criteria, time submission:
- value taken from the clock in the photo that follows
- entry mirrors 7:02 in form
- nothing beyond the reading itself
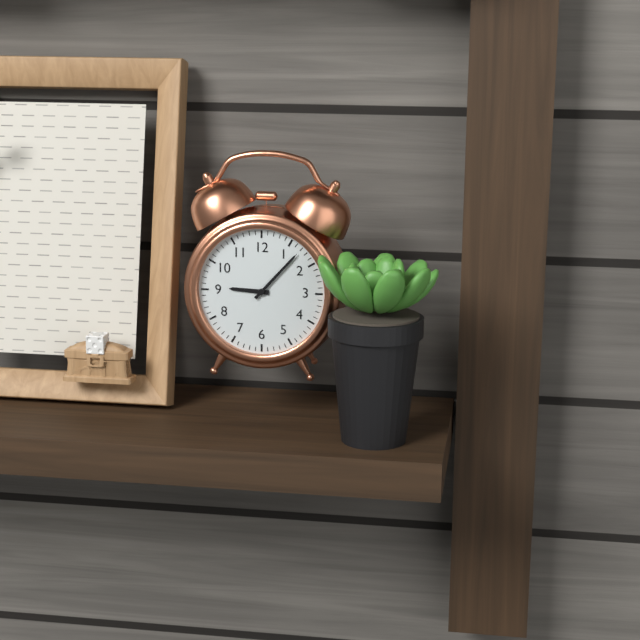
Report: 9:07
